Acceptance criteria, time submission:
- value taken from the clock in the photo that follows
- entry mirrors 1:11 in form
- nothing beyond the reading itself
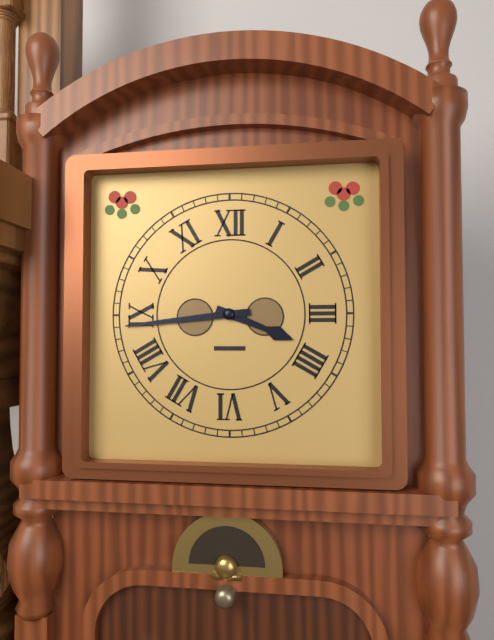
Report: 3:44
